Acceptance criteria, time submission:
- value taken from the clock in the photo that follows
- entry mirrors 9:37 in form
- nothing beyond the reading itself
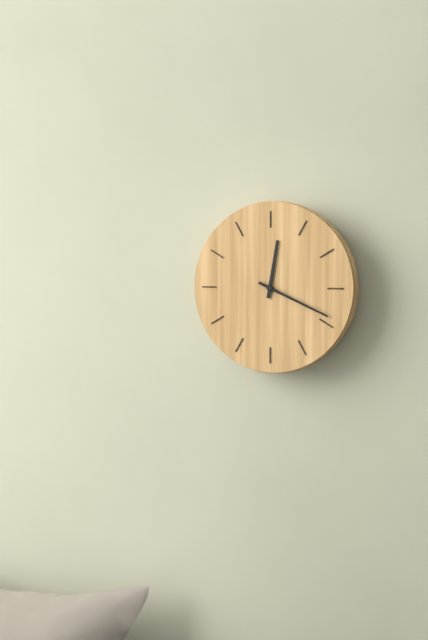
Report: 12:19
